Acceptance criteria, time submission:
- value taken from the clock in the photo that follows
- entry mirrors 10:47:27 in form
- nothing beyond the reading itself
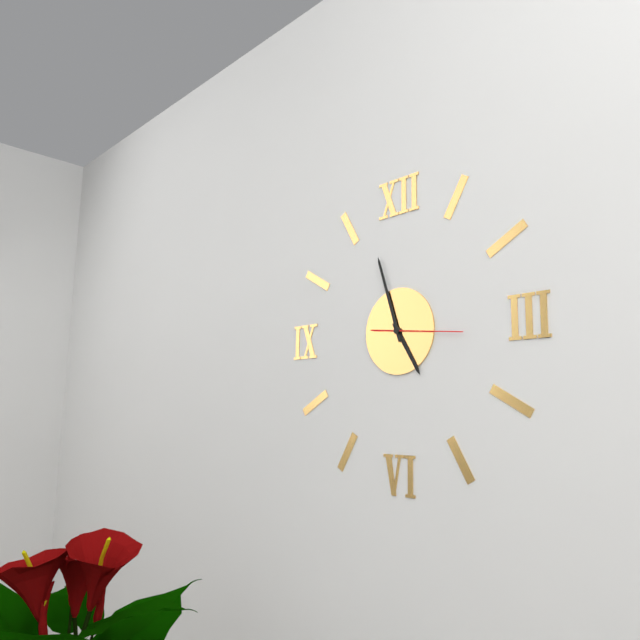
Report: 4:57:16
